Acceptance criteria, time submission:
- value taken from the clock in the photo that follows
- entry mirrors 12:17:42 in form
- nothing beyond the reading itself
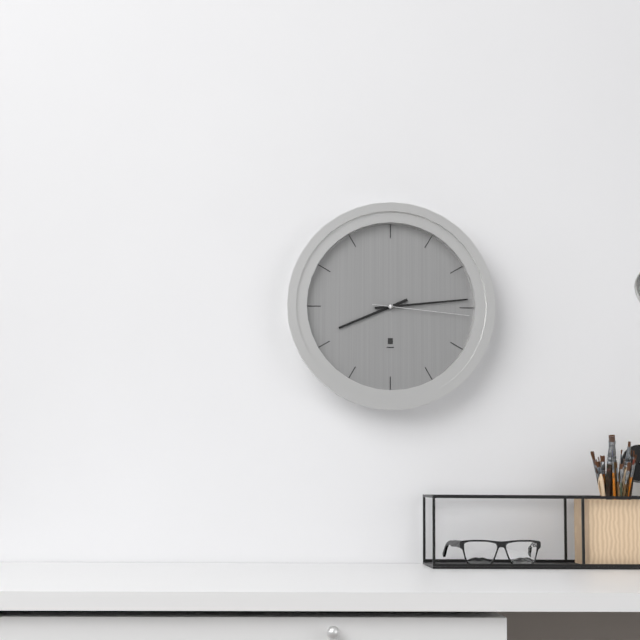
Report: 8:14:16
